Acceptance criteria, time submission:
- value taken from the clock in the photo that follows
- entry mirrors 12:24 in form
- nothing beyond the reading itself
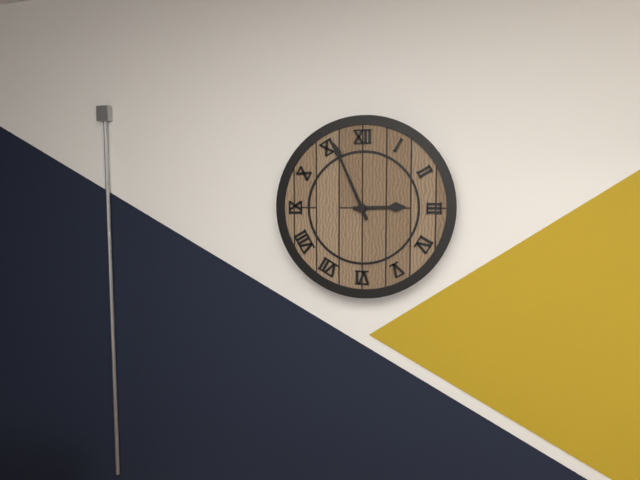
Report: 2:56
